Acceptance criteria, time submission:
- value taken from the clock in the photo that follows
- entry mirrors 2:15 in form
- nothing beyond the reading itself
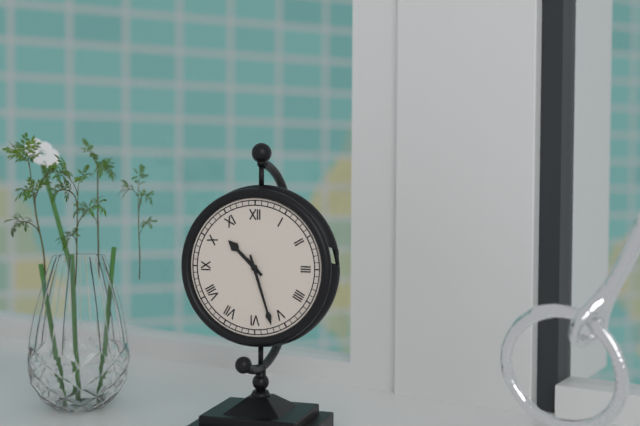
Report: 10:27
